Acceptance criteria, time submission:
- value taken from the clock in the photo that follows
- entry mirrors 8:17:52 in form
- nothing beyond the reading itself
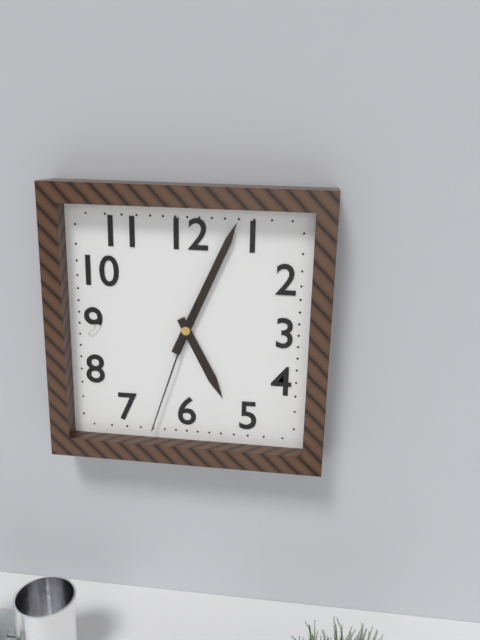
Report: 5:04:33
